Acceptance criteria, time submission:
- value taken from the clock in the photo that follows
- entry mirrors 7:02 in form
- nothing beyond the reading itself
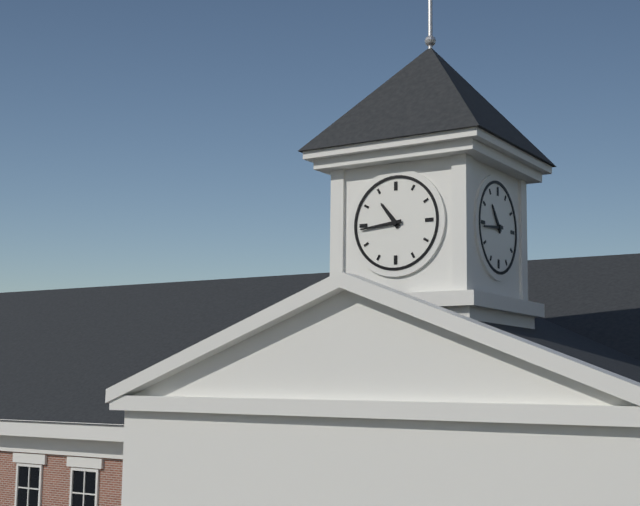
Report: 10:44
